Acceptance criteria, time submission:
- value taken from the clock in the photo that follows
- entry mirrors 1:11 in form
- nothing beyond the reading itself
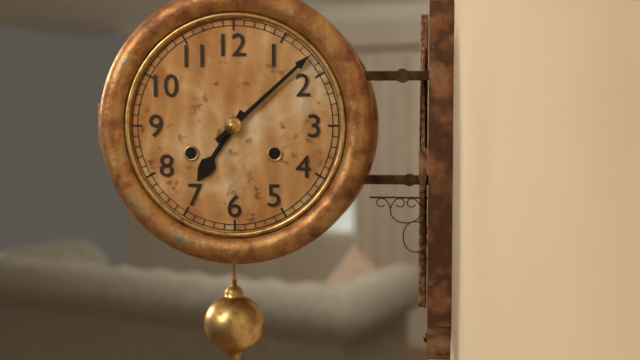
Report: 7:08
